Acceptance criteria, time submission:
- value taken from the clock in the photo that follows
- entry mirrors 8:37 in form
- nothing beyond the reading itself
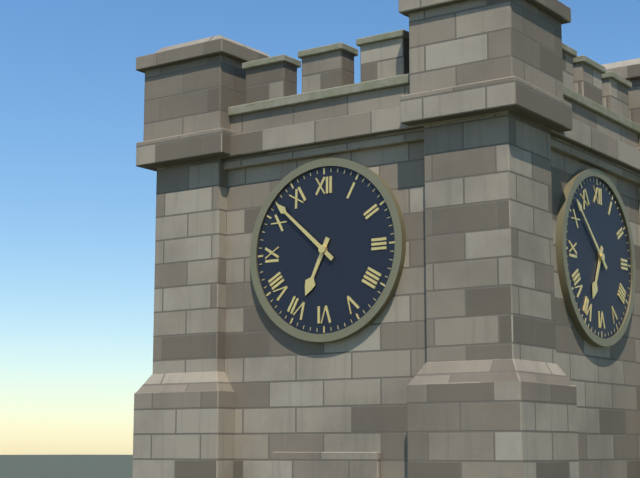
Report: 6:52
